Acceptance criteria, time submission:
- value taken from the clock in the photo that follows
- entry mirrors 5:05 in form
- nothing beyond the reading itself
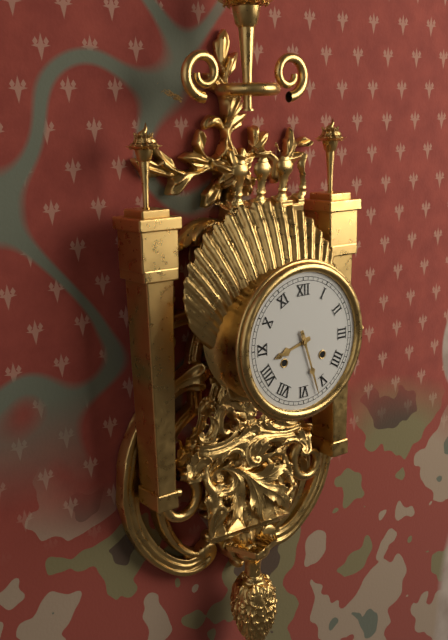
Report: 8:27
